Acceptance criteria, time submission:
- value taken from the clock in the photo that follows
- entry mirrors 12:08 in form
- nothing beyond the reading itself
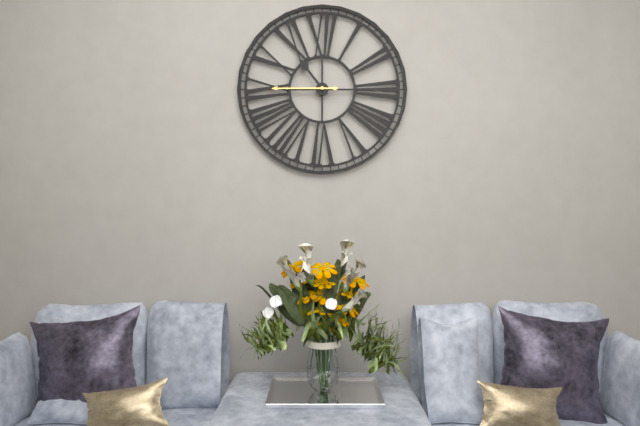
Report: 10:45
